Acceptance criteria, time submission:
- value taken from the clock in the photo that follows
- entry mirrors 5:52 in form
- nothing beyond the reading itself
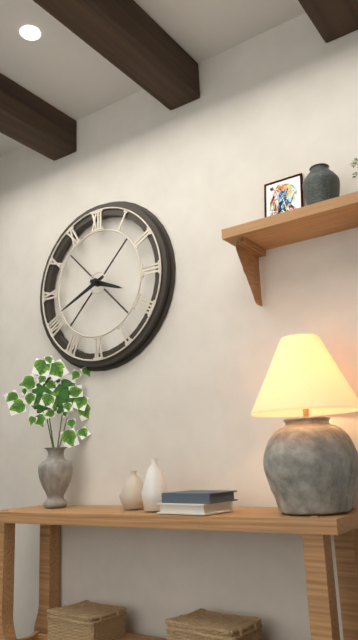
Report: 3:41
